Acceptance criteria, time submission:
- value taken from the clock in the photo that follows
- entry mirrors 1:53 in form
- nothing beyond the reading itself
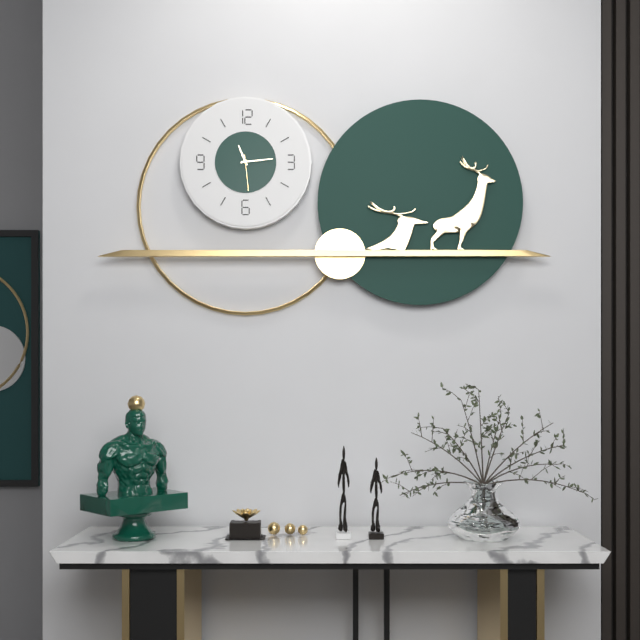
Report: 11:14
